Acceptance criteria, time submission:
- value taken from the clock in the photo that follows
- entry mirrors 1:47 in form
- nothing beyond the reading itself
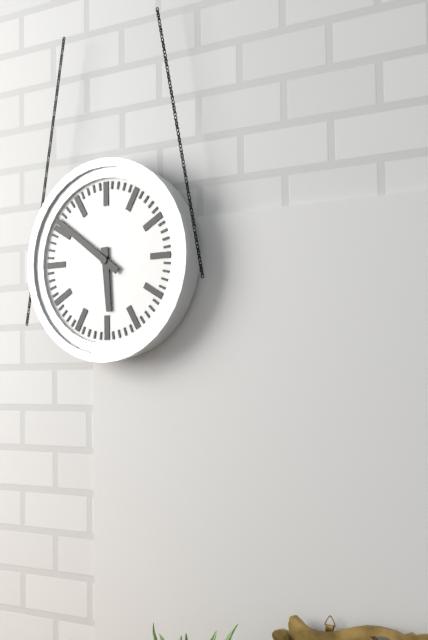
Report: 5:51
